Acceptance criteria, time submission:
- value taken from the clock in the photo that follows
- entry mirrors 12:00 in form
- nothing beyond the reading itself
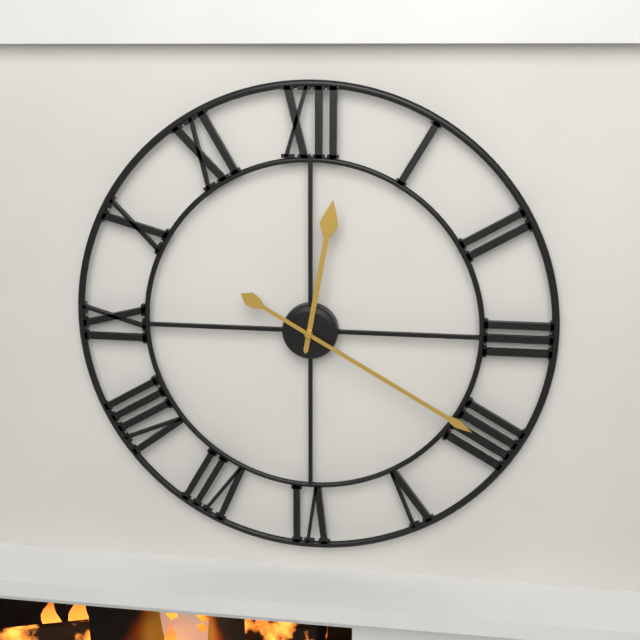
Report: 12:20
